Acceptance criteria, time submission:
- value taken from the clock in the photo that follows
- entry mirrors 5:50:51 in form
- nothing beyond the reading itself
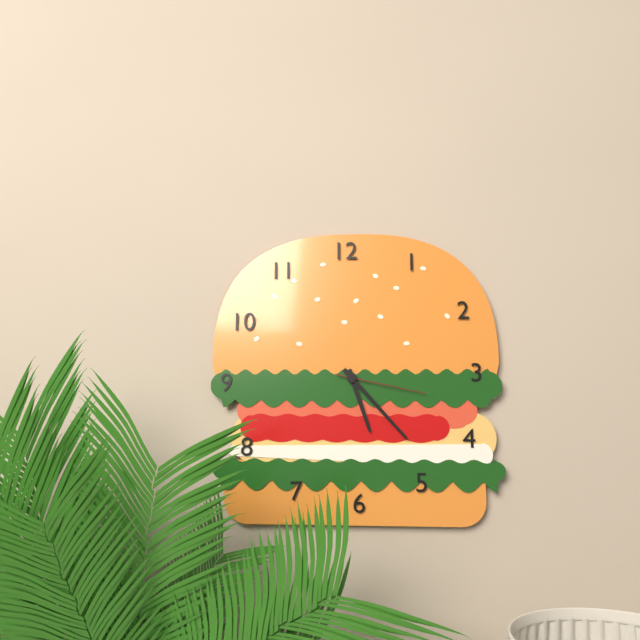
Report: 5:23:17
